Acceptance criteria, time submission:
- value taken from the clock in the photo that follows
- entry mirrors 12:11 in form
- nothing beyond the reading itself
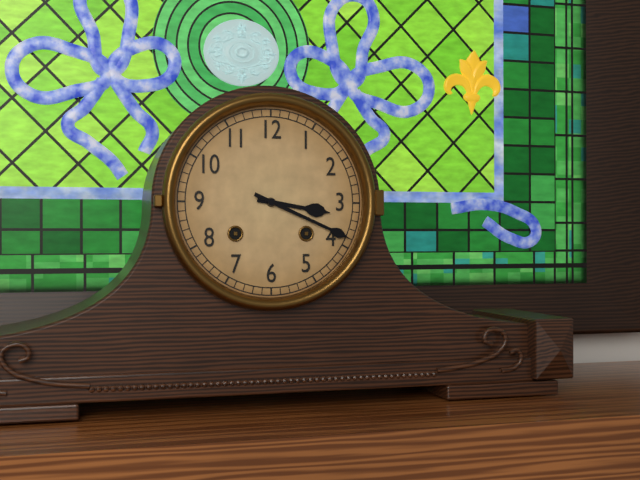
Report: 3:19
